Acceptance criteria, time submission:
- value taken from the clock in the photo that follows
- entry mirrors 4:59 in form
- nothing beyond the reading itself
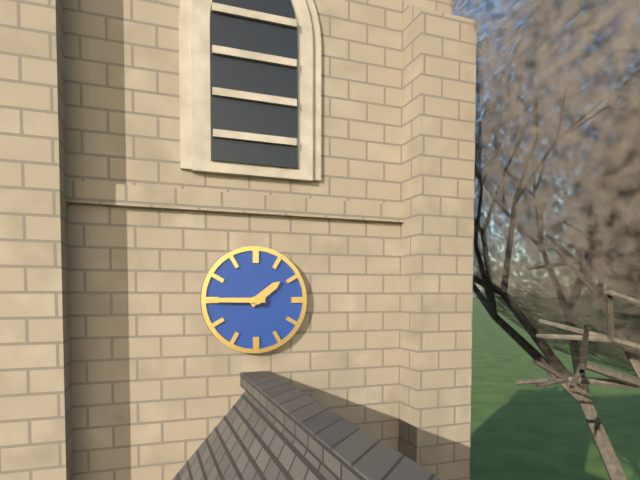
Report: 1:45
